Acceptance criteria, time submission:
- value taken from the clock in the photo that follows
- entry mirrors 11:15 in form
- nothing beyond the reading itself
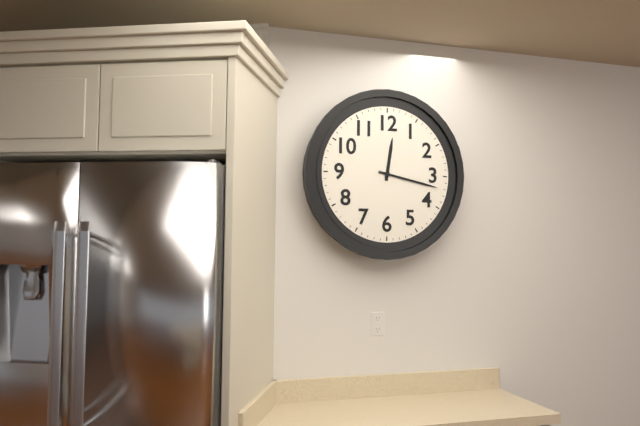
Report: 12:17
